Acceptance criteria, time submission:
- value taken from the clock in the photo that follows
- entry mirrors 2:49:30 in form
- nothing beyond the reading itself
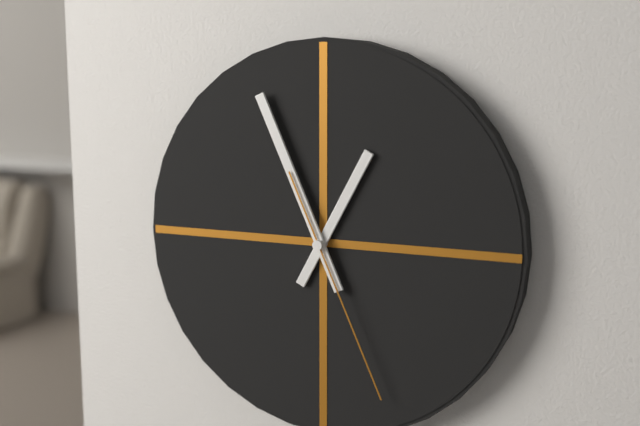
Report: 12:56:26
